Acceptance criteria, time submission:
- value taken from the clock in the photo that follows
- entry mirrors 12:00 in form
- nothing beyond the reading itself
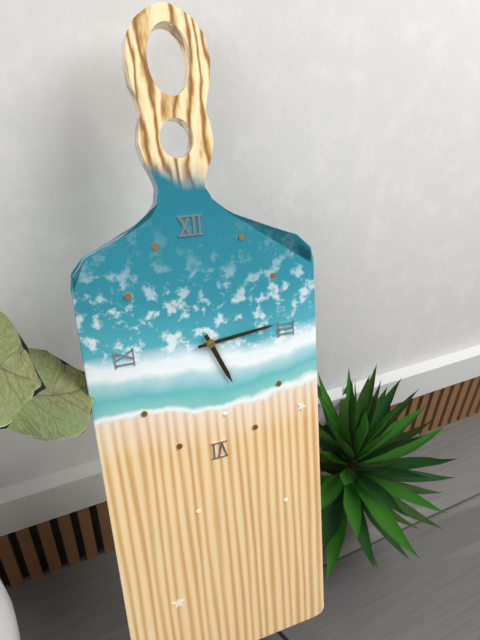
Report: 5:14
